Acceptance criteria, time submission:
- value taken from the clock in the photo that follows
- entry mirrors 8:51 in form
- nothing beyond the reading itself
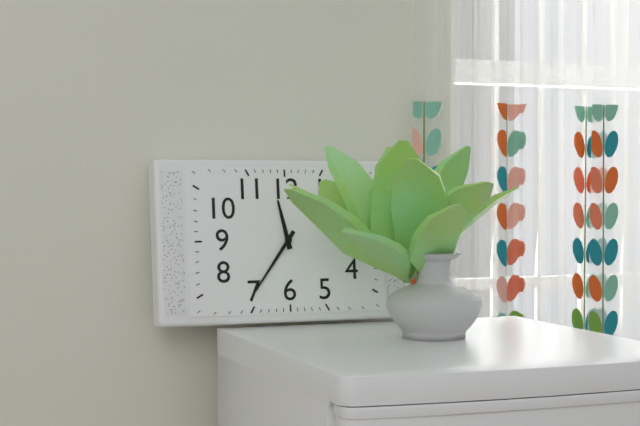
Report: 11:36
